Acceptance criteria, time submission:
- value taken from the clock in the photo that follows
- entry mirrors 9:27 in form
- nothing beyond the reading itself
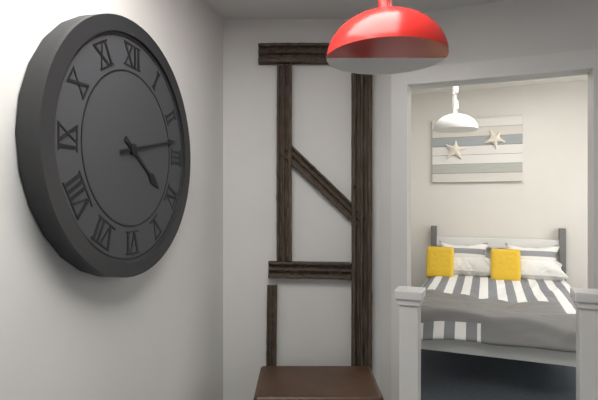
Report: 4:13
